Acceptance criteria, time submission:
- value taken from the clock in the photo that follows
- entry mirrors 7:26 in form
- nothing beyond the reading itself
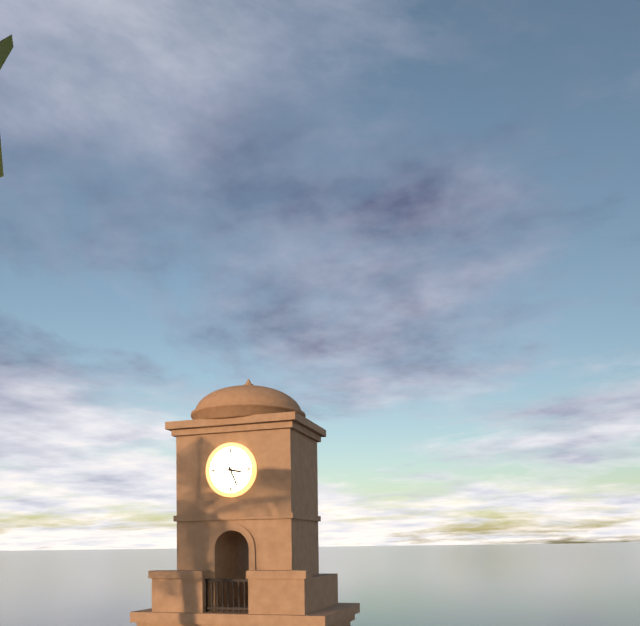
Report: 3:26
